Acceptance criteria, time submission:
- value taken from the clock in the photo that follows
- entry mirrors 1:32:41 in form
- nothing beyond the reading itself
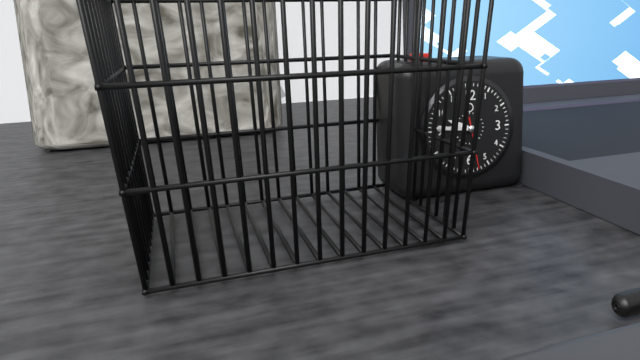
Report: 9:46:28
